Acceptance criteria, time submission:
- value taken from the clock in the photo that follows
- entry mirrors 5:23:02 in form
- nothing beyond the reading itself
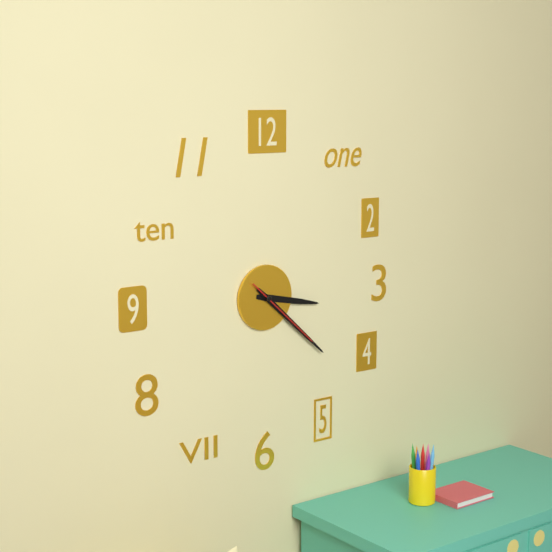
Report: 3:22:22
